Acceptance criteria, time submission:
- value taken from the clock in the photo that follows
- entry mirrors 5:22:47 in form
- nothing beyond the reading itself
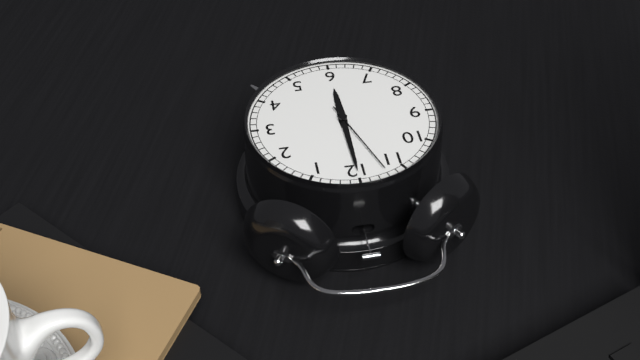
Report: 6:00:57
